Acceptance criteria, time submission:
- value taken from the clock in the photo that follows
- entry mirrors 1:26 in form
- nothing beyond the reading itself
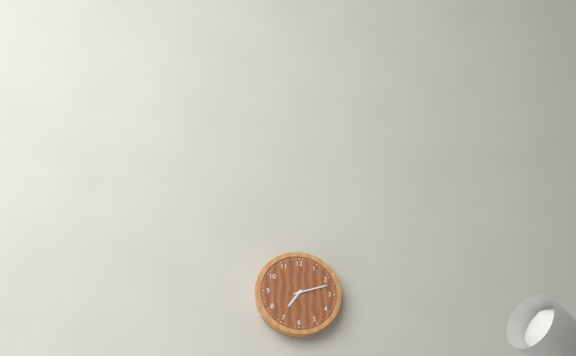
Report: 7:12
